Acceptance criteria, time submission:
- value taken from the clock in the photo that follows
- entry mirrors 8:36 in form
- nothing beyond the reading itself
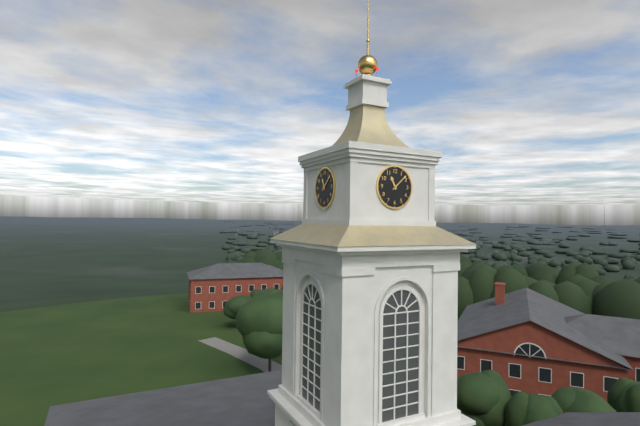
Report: 11:08
